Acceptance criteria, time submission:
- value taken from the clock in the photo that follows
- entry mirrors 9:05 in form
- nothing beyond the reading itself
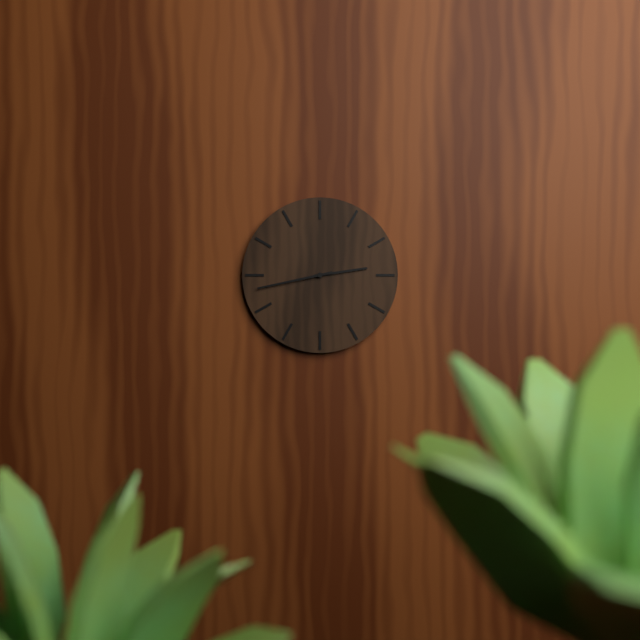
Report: 2:43
